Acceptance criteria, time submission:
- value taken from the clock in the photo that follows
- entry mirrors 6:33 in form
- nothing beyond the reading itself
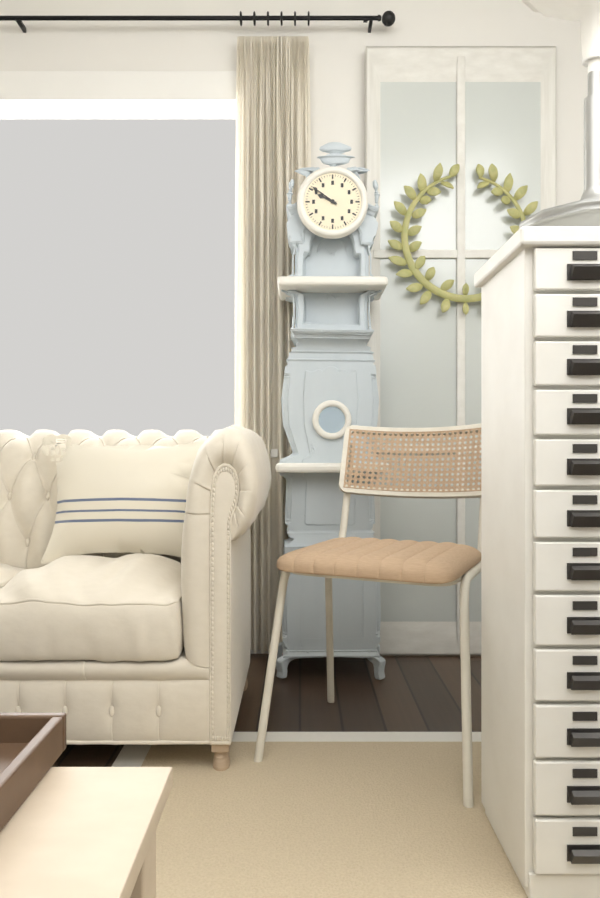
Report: 9:51
